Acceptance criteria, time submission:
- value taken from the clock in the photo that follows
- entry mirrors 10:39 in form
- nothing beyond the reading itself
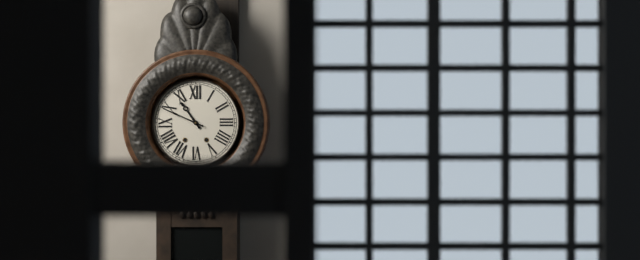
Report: 10:49
